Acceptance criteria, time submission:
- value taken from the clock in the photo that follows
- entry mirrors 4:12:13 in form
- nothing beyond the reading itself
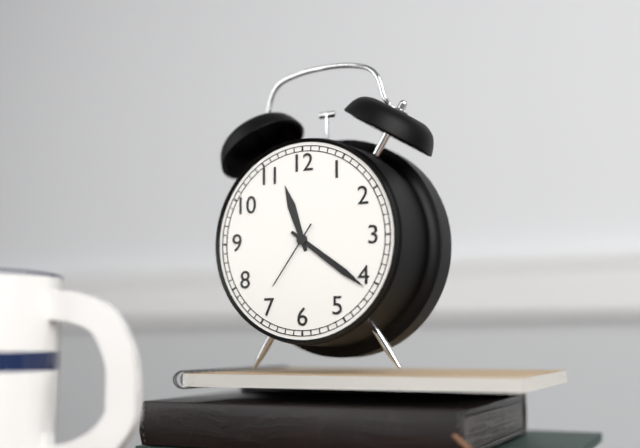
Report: 11:21:36
